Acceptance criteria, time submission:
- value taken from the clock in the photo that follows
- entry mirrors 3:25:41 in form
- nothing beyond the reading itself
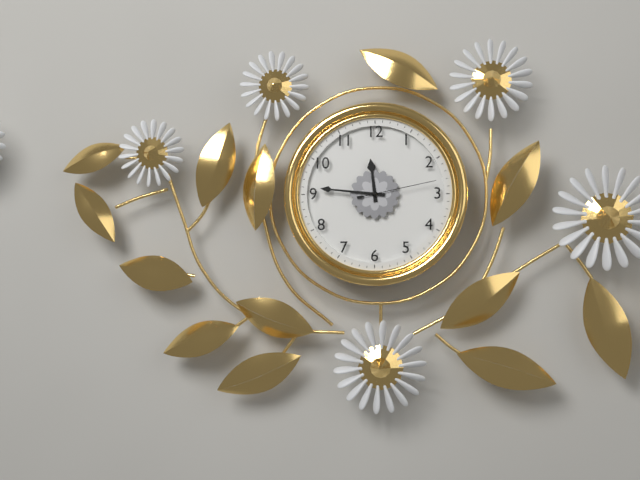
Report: 11:46:13
